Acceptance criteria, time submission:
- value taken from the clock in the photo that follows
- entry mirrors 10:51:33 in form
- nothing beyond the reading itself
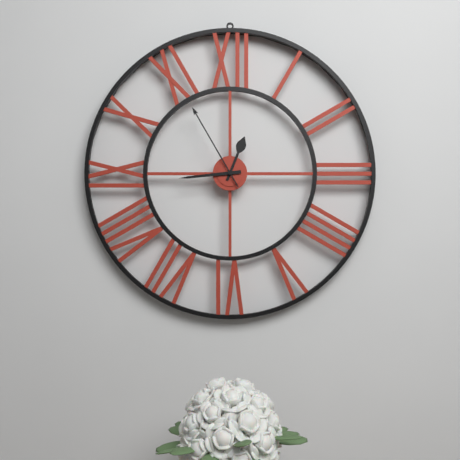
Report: 12:44:55
